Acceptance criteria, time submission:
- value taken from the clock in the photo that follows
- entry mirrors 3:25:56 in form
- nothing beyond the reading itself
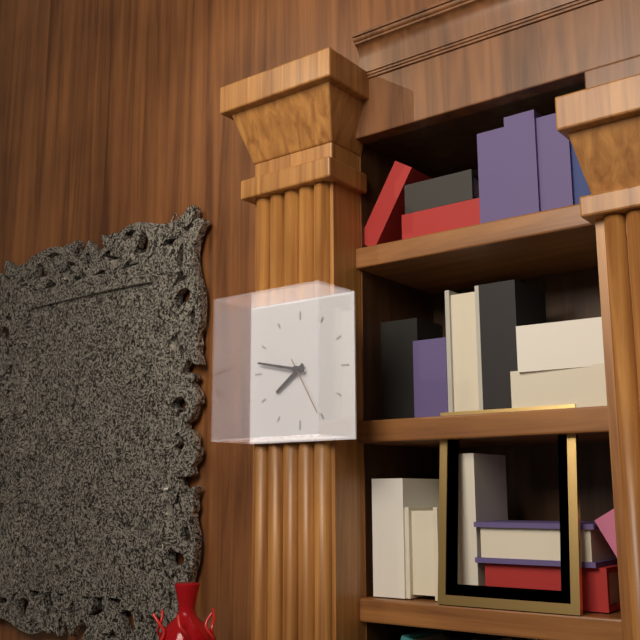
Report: 7:47:25
